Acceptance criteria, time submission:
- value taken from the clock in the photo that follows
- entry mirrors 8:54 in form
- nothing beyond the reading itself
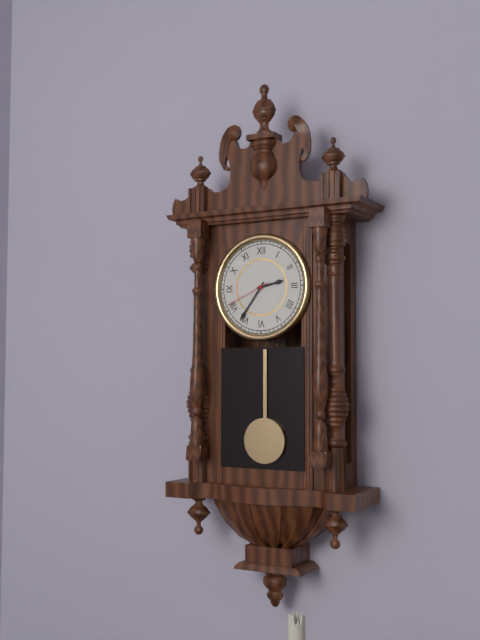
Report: 2:36
